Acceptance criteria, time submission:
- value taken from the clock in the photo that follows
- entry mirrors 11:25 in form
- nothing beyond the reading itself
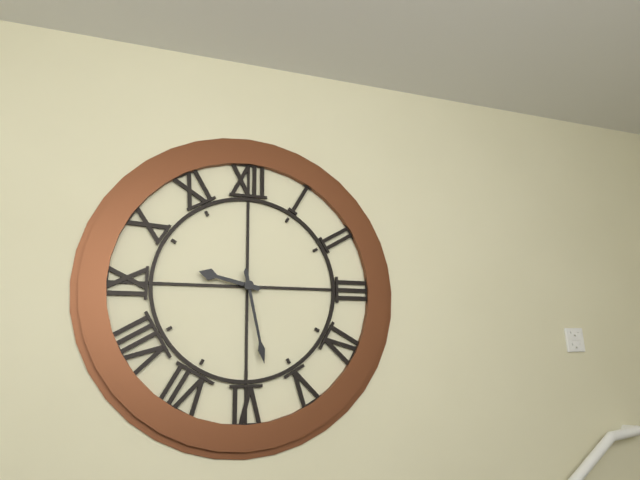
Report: 9:28
